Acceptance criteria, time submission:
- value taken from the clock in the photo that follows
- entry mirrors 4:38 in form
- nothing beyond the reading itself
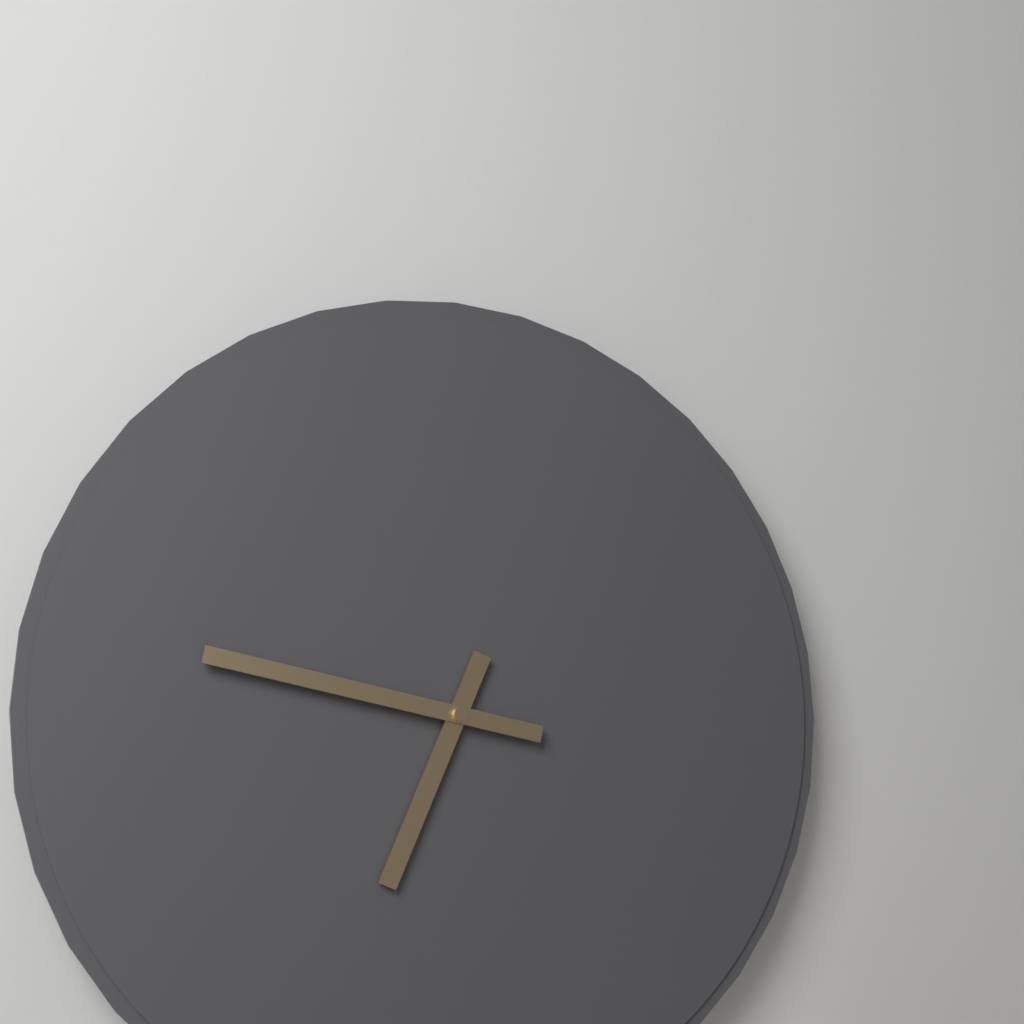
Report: 6:47
